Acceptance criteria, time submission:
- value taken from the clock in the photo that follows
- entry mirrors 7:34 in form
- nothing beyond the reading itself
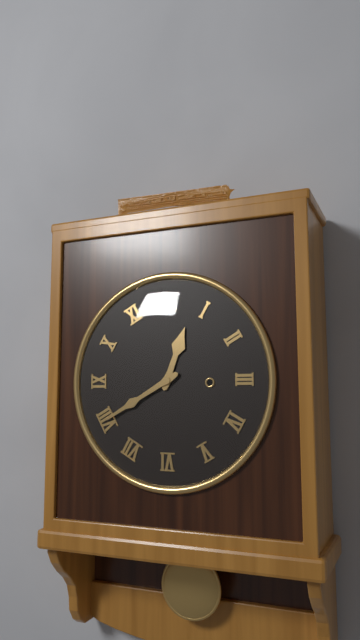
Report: 12:40
